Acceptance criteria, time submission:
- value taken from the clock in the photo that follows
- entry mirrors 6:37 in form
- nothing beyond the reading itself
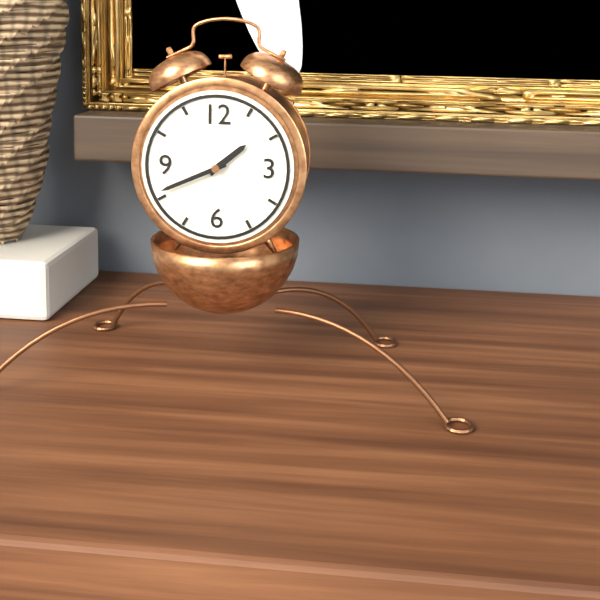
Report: 1:41
